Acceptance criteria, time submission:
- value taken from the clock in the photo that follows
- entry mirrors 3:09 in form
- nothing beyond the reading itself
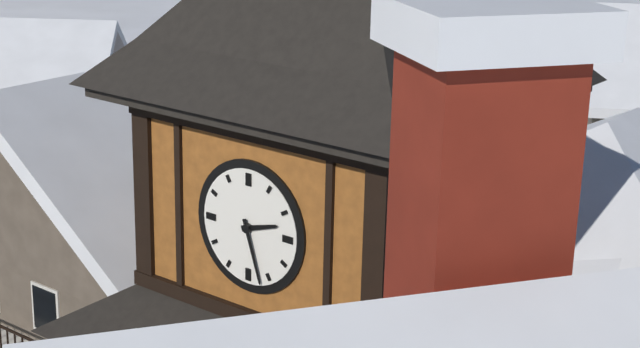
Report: 2:27
